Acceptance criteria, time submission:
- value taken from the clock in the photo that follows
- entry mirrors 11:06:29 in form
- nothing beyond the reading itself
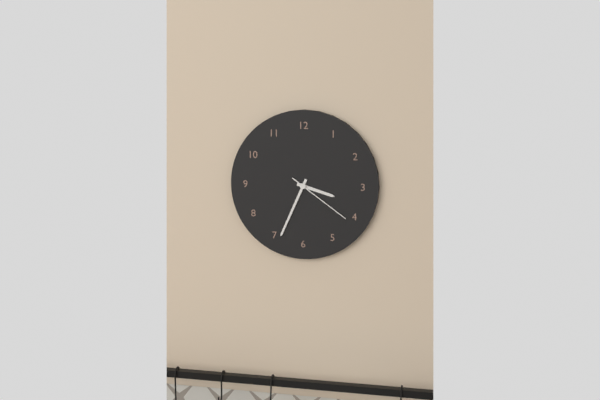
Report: 3:34:21
